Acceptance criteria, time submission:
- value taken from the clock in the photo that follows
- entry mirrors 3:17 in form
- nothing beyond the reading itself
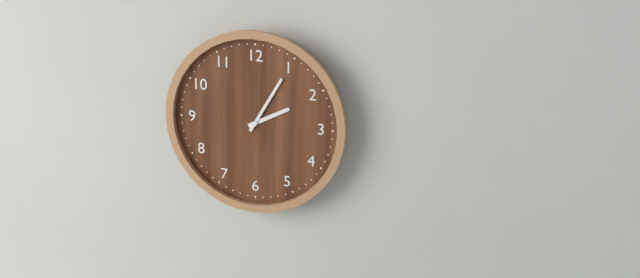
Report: 2:05
